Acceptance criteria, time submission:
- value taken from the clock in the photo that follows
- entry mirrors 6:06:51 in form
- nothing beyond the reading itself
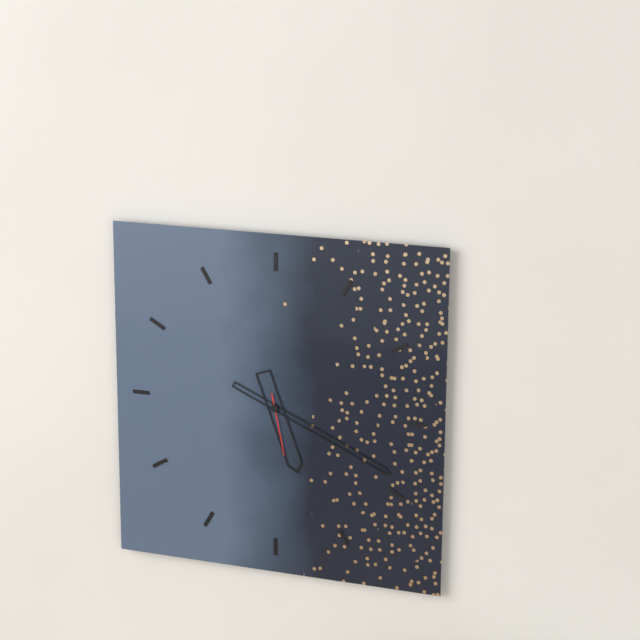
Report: 5:19:28
